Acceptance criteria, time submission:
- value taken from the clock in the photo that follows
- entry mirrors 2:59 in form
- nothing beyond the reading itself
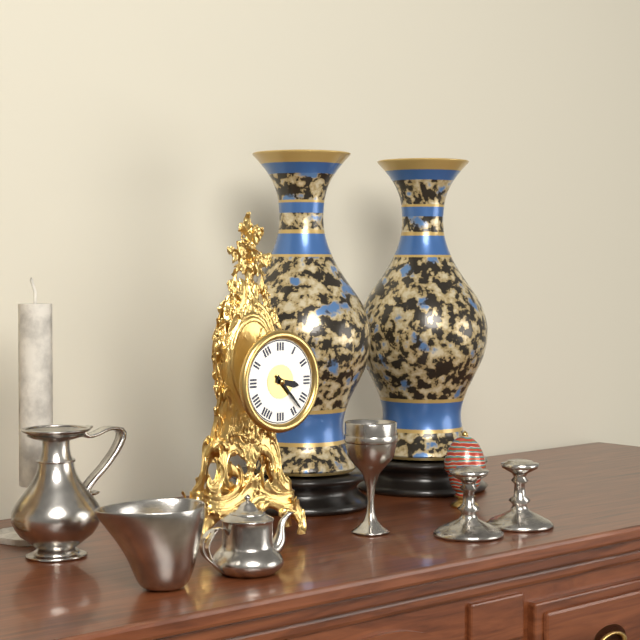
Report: 3:23
